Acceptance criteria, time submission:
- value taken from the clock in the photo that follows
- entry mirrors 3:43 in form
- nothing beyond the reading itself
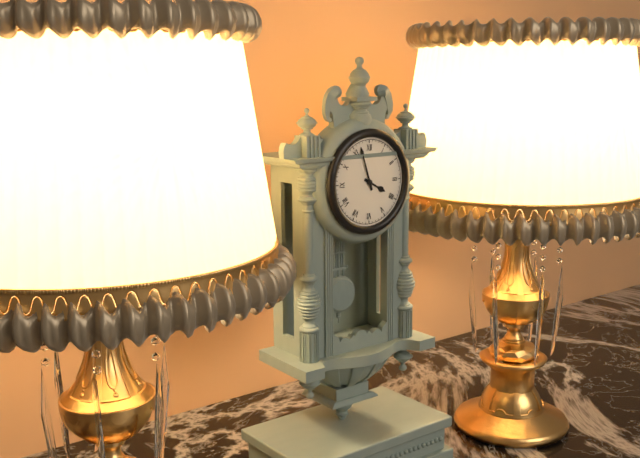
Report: 3:57
